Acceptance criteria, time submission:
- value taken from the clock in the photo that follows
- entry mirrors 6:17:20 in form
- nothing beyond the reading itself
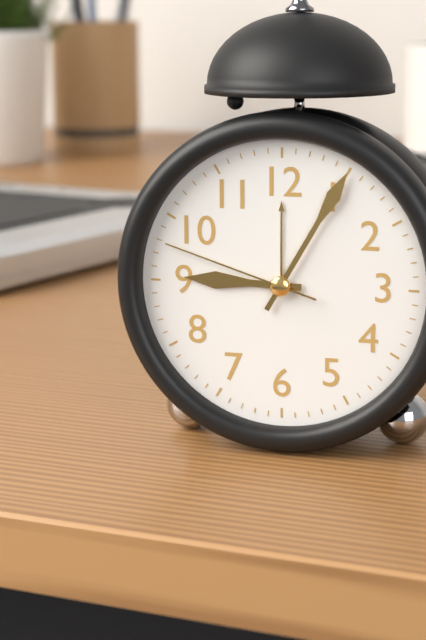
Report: 9:05:48
